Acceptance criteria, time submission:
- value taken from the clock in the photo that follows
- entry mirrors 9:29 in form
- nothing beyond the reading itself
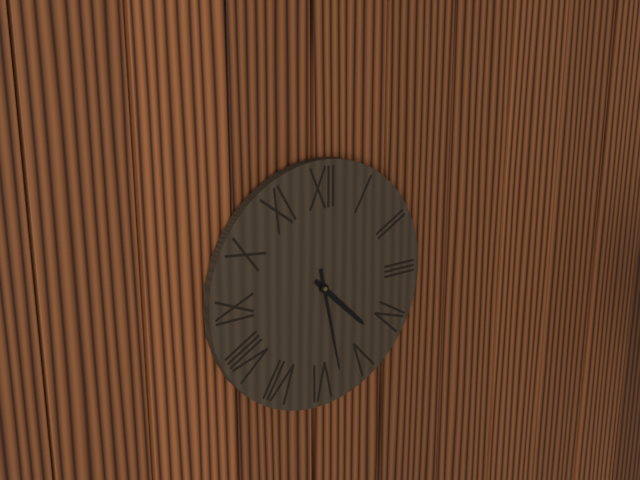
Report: 4:28
